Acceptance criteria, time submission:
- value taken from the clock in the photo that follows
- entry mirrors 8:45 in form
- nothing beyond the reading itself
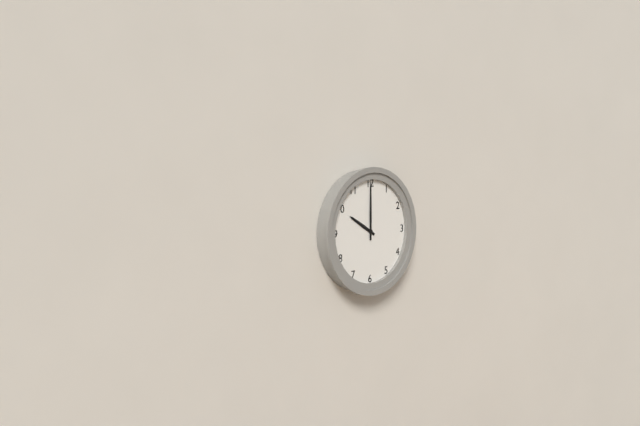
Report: 10:00
